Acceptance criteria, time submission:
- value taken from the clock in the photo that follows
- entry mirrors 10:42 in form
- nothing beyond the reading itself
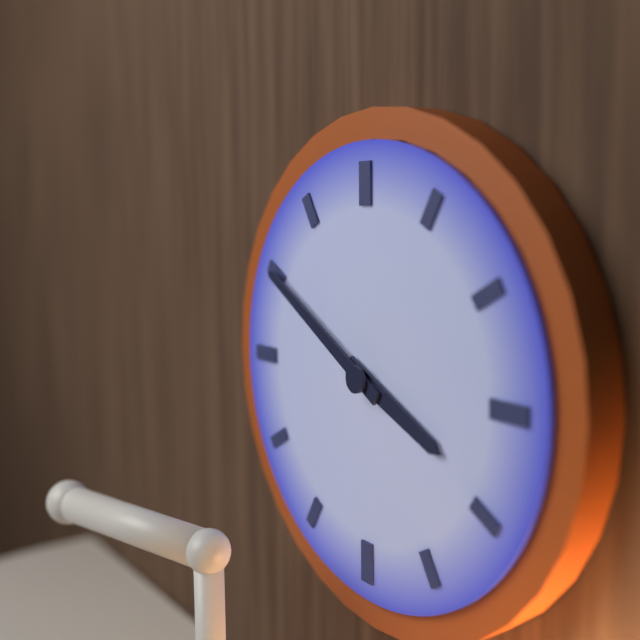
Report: 3:50
